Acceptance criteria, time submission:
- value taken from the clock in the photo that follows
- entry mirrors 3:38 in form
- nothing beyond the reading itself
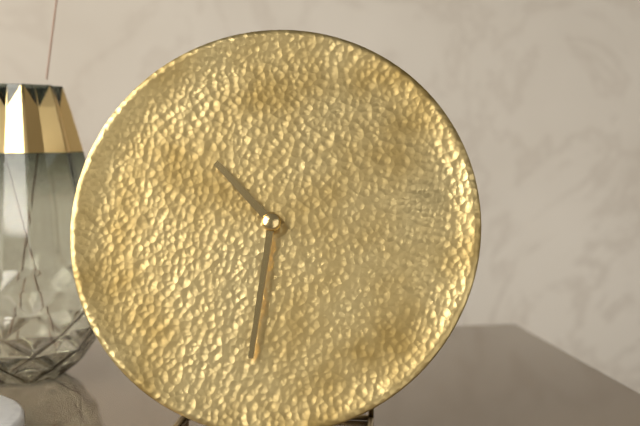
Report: 10:31
